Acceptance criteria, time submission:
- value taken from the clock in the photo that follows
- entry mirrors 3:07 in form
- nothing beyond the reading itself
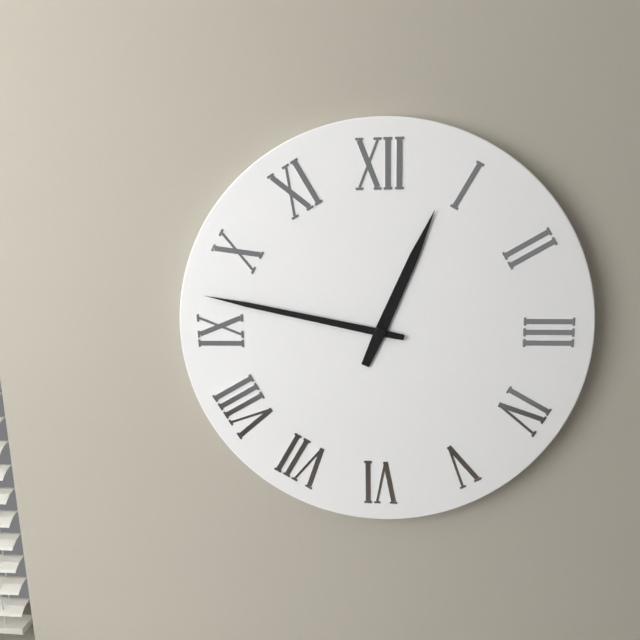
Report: 12:47
